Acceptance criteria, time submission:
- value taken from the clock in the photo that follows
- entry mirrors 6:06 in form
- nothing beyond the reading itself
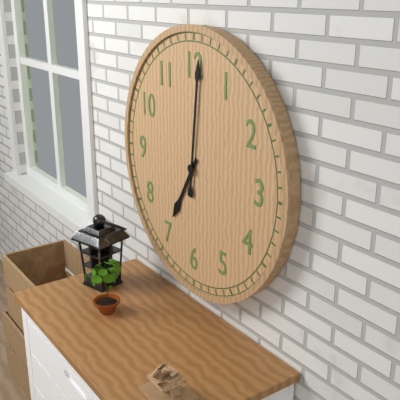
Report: 7:01
